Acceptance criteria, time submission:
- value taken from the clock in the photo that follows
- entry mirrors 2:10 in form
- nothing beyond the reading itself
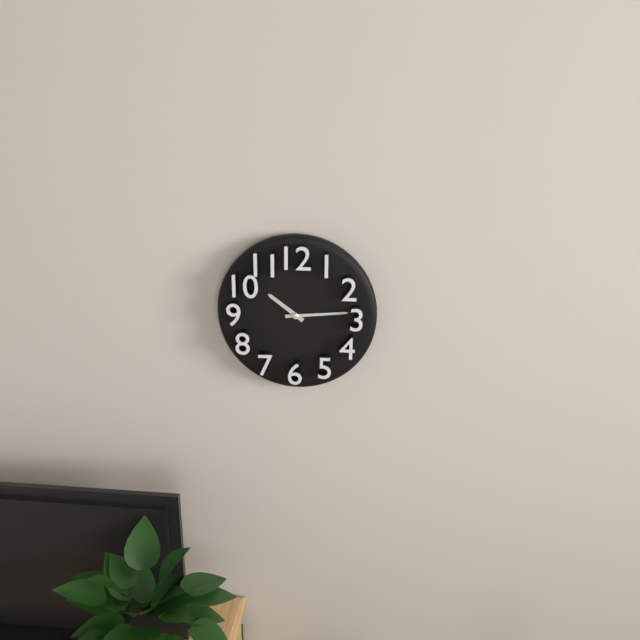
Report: 10:14
